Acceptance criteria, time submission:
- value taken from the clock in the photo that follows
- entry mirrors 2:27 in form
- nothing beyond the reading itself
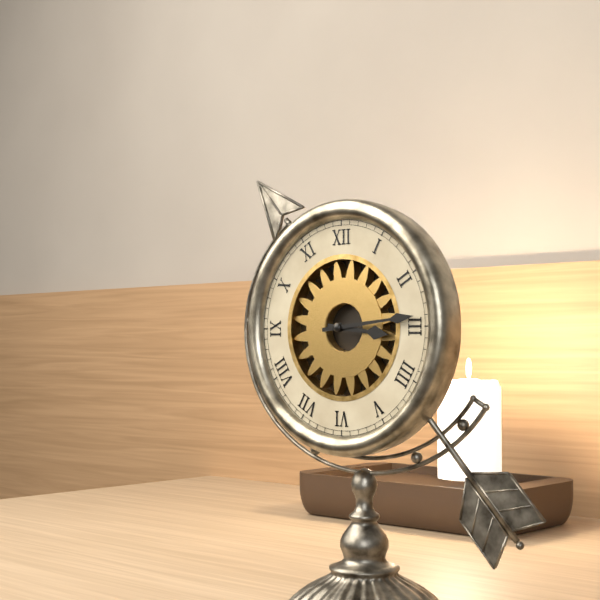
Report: 3:14
